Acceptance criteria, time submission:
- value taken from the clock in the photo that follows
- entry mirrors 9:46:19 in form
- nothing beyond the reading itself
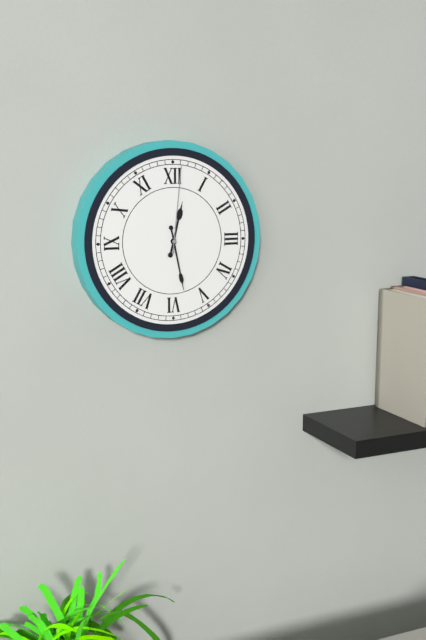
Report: 12:28:01
